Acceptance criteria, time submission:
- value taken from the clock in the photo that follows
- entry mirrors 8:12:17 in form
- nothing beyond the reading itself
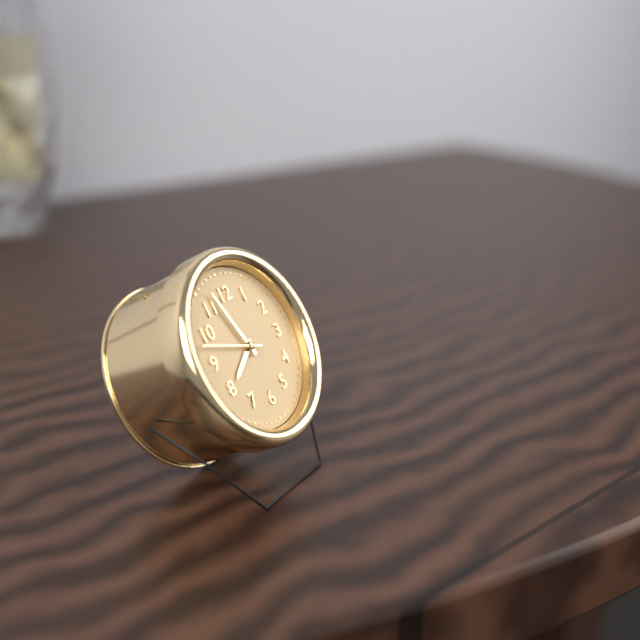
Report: 7:57:48
